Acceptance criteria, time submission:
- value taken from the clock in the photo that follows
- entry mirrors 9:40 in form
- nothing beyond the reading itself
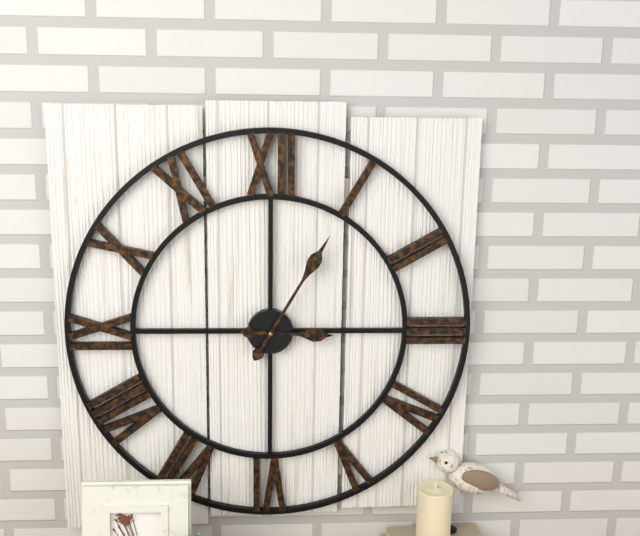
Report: 3:05
